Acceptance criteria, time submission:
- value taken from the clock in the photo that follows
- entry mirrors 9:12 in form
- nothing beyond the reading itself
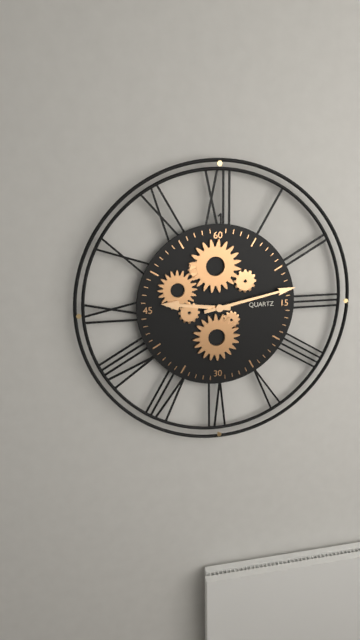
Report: 9:13
